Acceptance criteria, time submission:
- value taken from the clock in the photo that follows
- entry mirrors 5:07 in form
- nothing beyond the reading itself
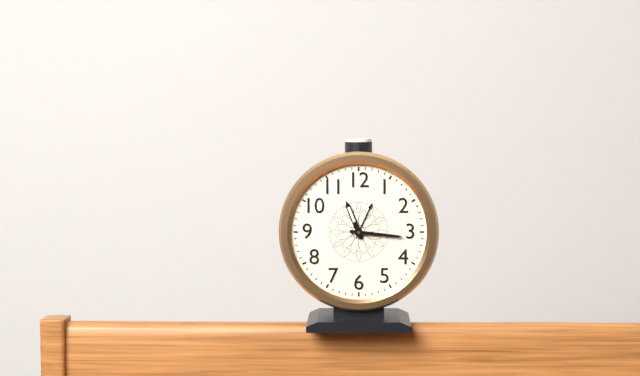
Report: 11:16
